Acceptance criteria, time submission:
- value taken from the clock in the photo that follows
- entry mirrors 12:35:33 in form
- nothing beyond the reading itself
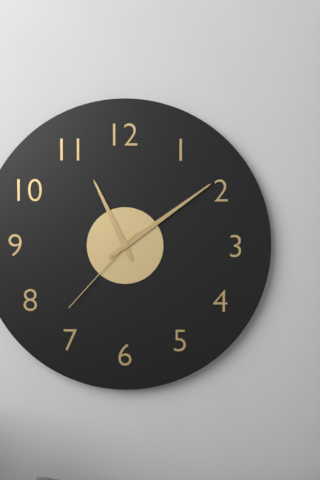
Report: 11:09:37
